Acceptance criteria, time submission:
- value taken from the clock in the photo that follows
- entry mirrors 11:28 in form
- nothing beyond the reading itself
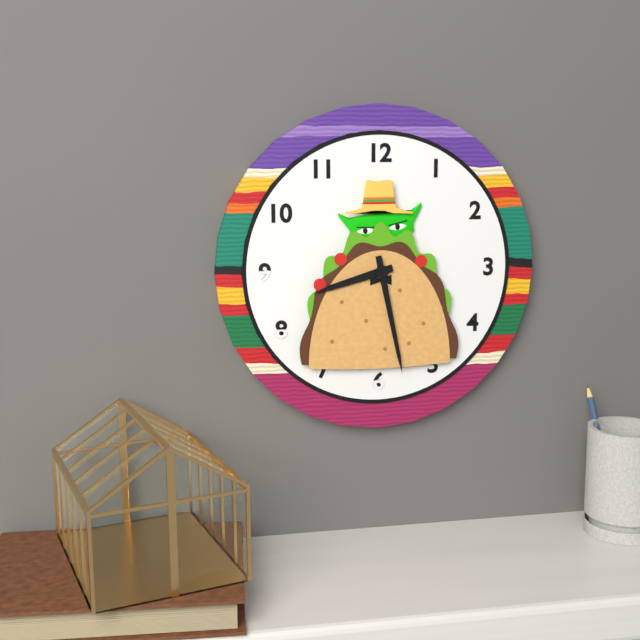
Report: 8:28
